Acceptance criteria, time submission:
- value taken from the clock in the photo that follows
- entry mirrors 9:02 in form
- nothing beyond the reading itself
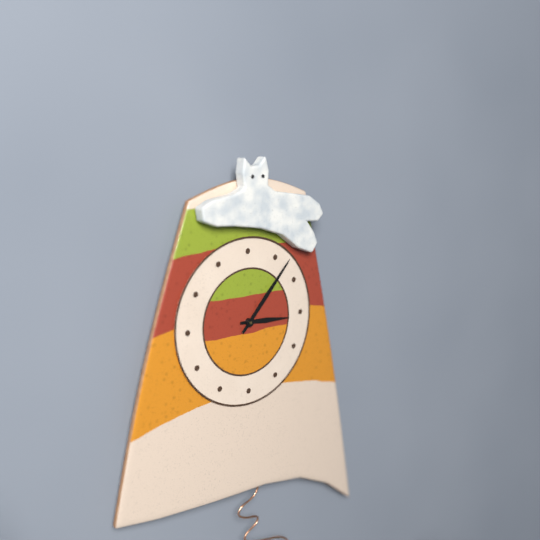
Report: 3:07
